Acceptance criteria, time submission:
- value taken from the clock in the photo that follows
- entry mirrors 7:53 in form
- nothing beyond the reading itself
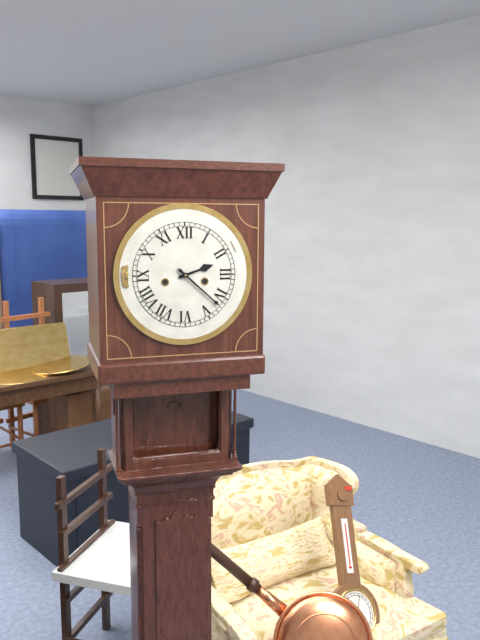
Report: 2:22
